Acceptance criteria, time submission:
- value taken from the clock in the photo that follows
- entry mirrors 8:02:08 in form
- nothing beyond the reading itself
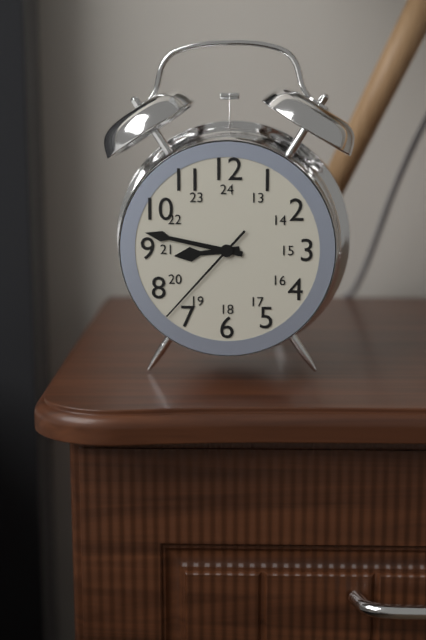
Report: 8:47:37
